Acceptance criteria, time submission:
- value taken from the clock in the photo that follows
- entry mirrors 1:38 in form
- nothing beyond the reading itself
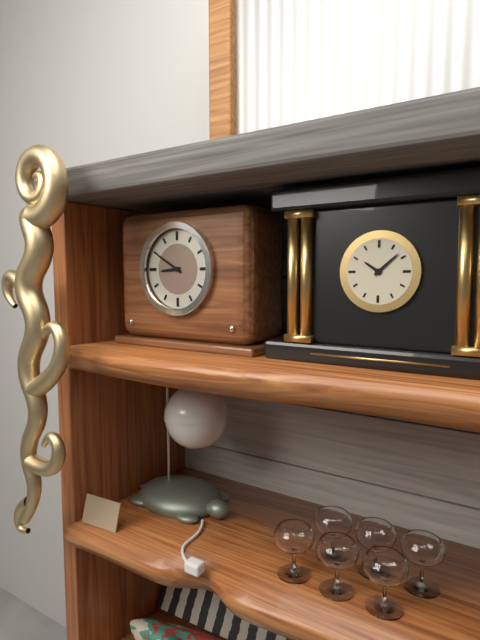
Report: 8:50
